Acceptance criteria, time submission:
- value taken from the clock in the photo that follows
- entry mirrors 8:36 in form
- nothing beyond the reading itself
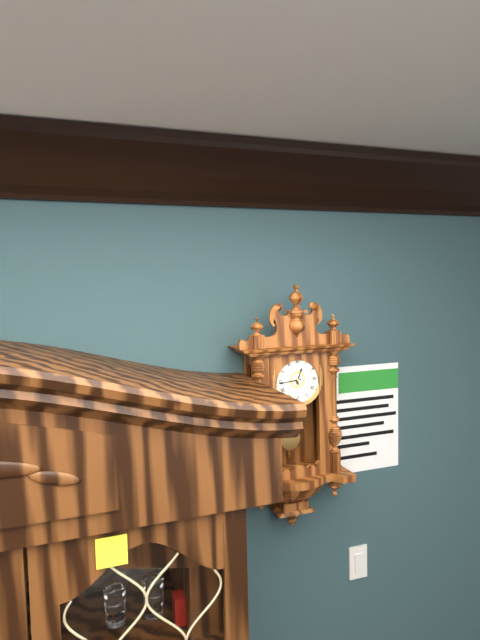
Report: 12:44
